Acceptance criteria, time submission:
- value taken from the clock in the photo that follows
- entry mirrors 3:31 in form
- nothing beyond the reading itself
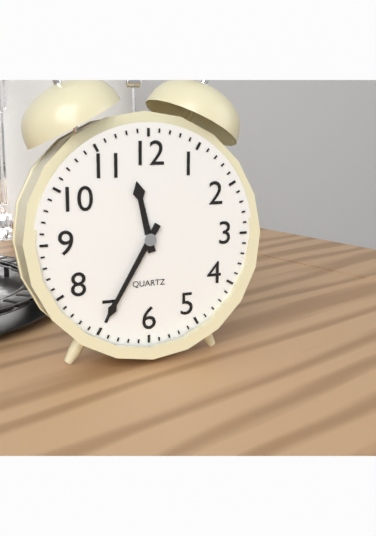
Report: 11:35
